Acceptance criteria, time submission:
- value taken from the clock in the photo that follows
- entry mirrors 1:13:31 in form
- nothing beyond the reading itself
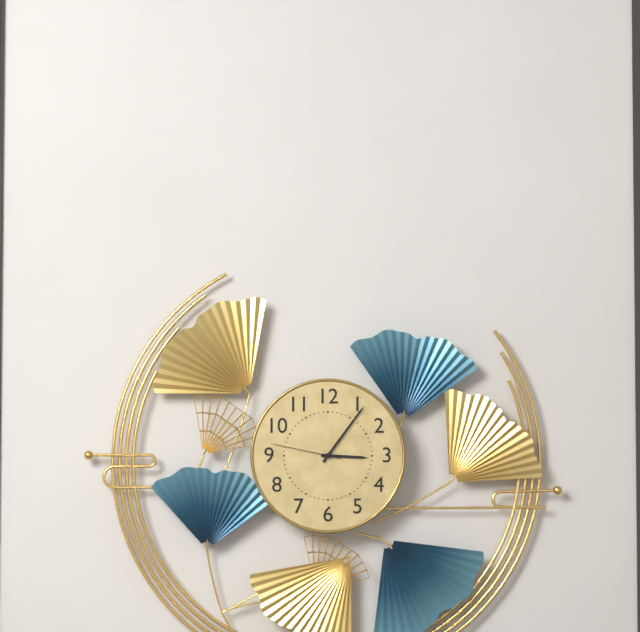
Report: 3:06:47
